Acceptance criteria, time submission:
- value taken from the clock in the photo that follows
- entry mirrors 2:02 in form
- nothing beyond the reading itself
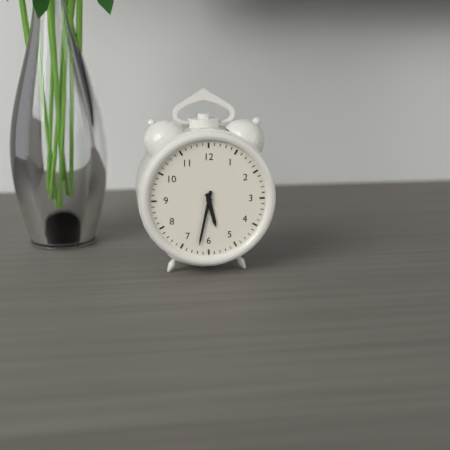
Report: 5:32
